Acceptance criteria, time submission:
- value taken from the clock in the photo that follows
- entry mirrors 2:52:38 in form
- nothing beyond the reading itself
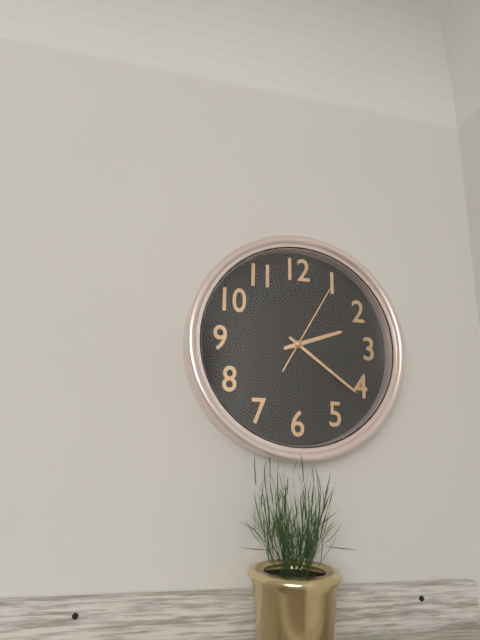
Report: 2:21:05
